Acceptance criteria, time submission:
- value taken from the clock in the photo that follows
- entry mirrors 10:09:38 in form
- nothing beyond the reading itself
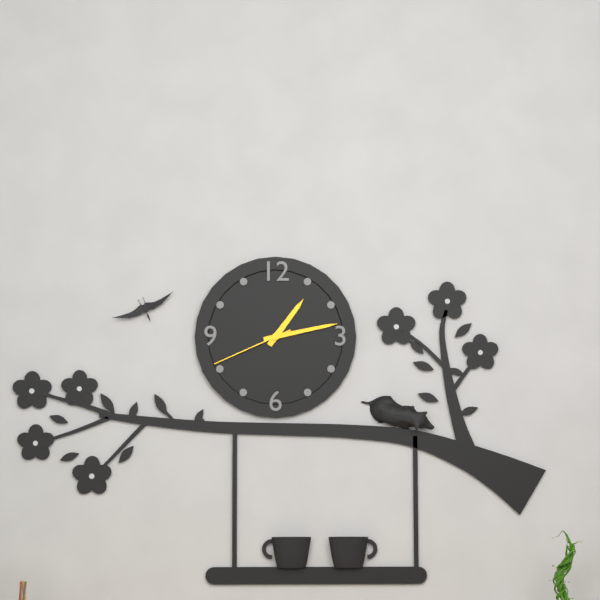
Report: 1:13:41
